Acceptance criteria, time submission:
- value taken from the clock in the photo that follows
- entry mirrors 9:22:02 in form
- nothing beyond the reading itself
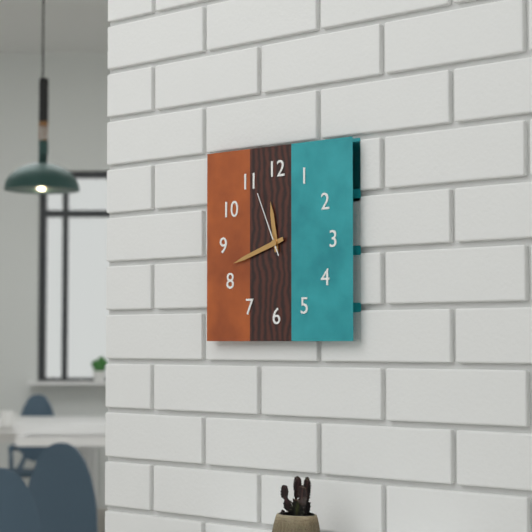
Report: 11:42:56
